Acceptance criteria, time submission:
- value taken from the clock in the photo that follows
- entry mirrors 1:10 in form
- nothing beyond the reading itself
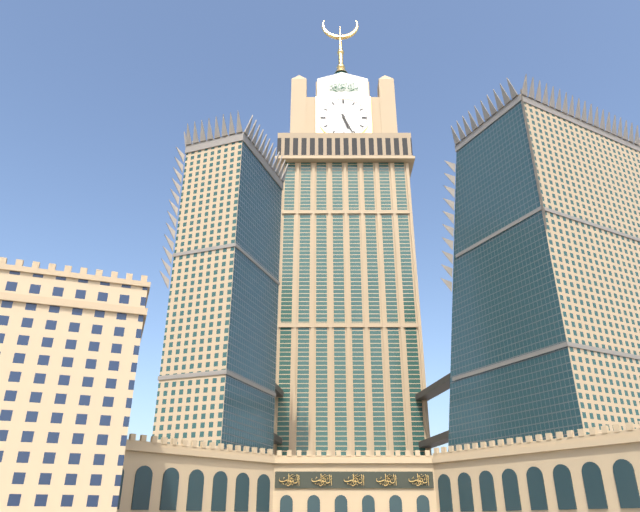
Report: 5:26
